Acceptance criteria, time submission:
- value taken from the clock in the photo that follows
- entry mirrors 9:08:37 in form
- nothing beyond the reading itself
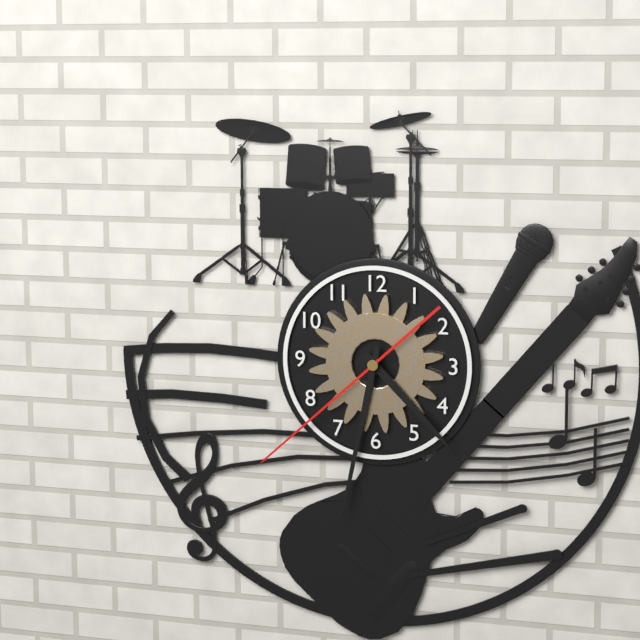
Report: 4:32:38
